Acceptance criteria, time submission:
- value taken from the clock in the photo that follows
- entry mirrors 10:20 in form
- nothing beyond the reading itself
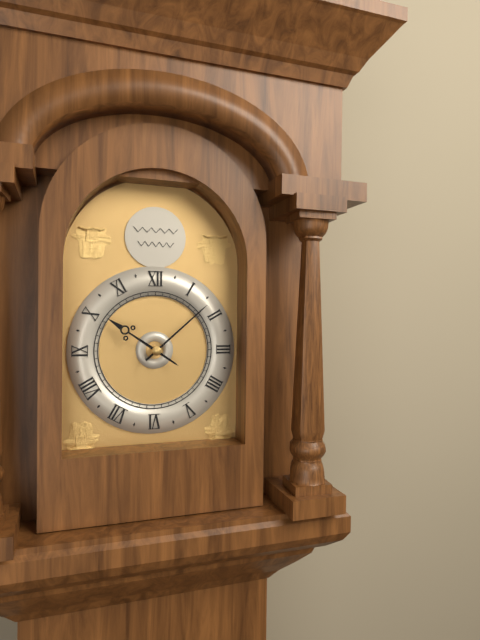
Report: 10:08
